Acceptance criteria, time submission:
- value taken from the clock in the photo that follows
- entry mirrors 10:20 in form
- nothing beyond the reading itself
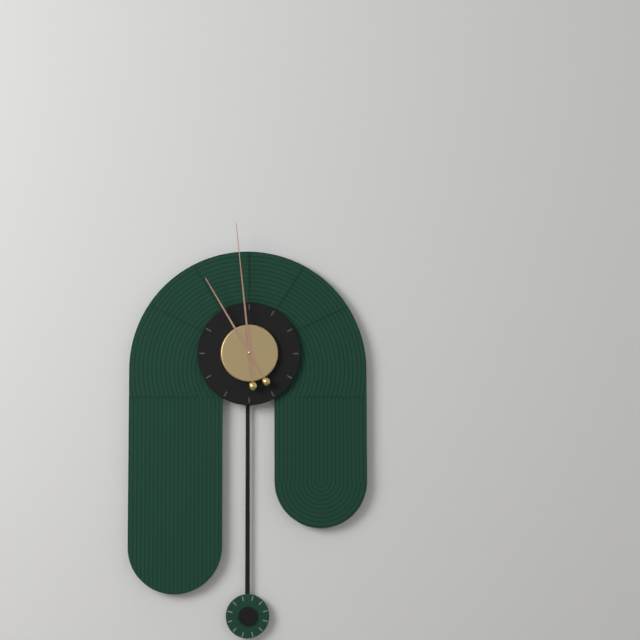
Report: 10:59
